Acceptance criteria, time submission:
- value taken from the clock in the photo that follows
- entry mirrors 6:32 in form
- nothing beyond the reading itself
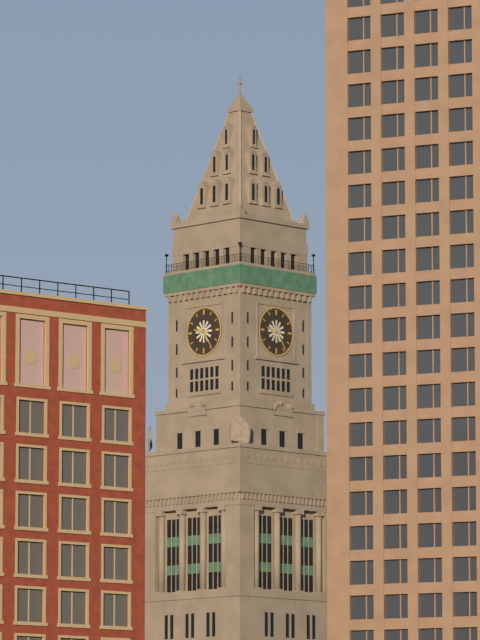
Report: 9:24
